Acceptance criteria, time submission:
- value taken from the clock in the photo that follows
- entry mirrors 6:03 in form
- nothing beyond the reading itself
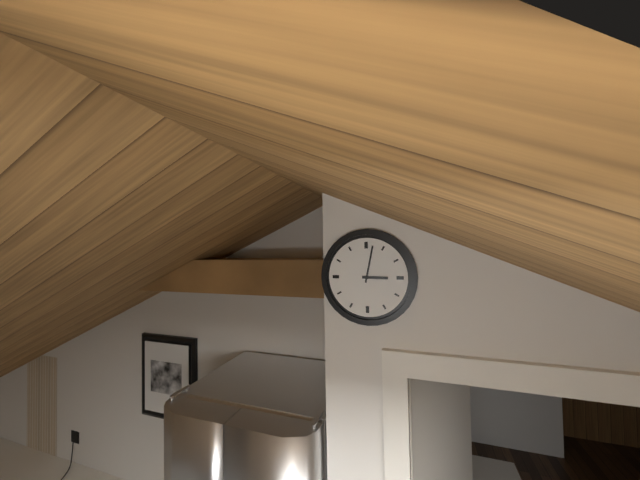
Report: 3:02
